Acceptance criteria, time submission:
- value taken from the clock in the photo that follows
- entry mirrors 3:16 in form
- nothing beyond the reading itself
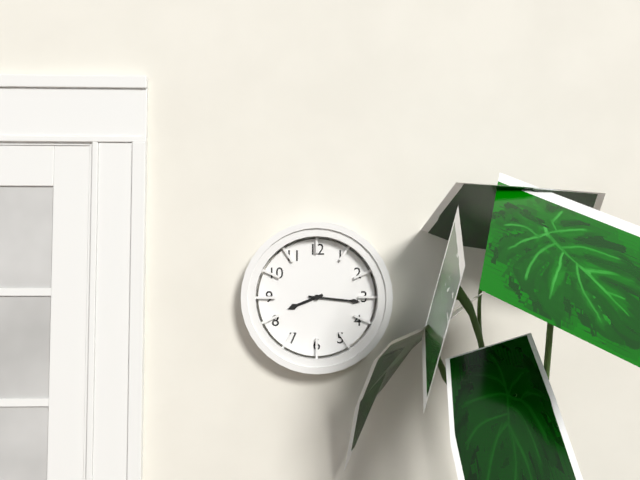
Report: 8:16
